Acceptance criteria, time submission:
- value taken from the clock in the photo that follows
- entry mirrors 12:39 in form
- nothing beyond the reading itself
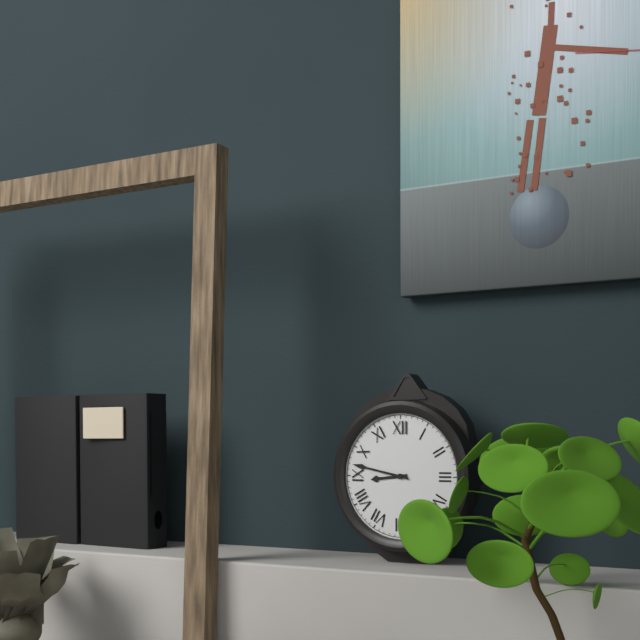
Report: 8:47
